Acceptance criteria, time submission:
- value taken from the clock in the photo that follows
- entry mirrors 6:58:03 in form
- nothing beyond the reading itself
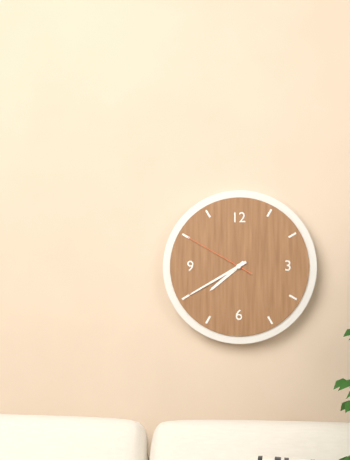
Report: 7:40:50
